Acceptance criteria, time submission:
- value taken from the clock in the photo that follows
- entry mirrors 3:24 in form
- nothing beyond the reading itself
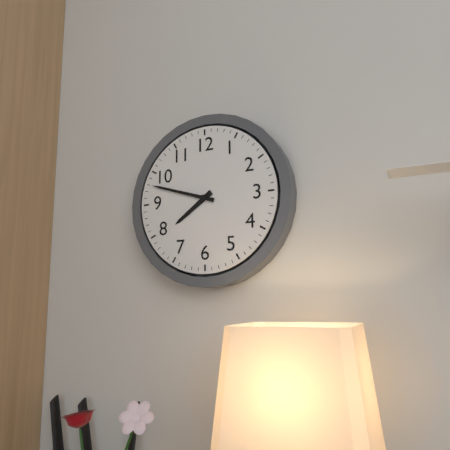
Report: 7:48
